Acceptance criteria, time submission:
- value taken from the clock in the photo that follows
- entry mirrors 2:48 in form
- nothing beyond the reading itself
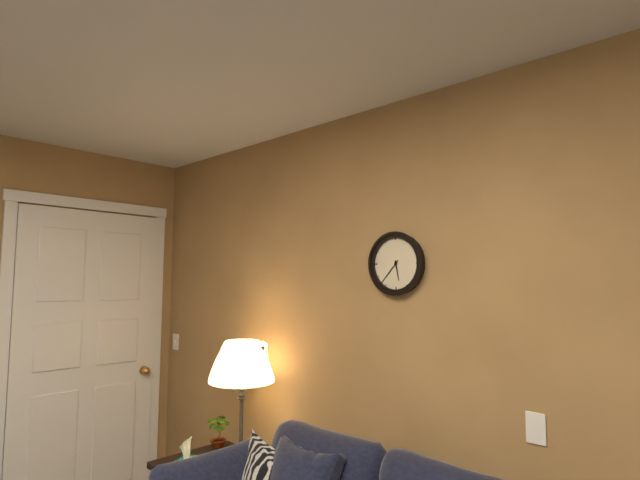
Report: 5:37
